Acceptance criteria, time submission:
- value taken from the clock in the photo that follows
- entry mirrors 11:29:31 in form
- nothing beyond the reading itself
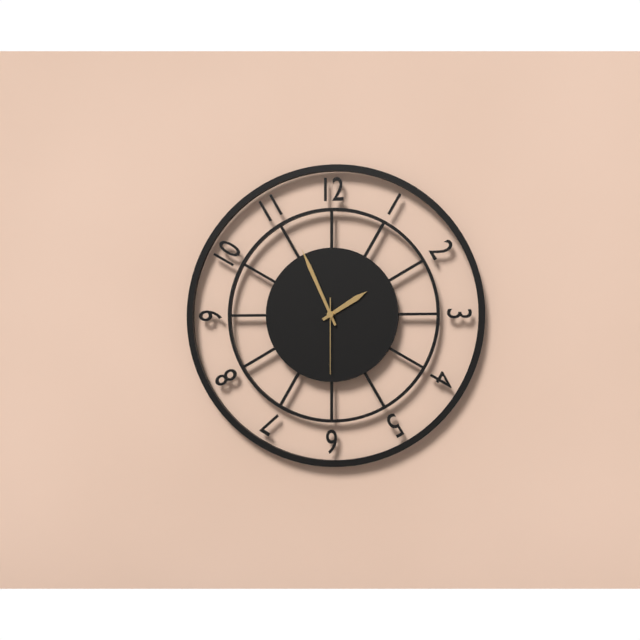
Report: 1:56:30
